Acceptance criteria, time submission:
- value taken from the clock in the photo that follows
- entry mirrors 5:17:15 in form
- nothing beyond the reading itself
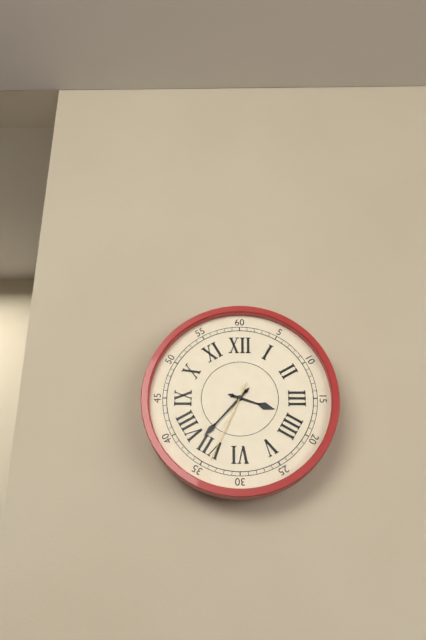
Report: 3:37:34
